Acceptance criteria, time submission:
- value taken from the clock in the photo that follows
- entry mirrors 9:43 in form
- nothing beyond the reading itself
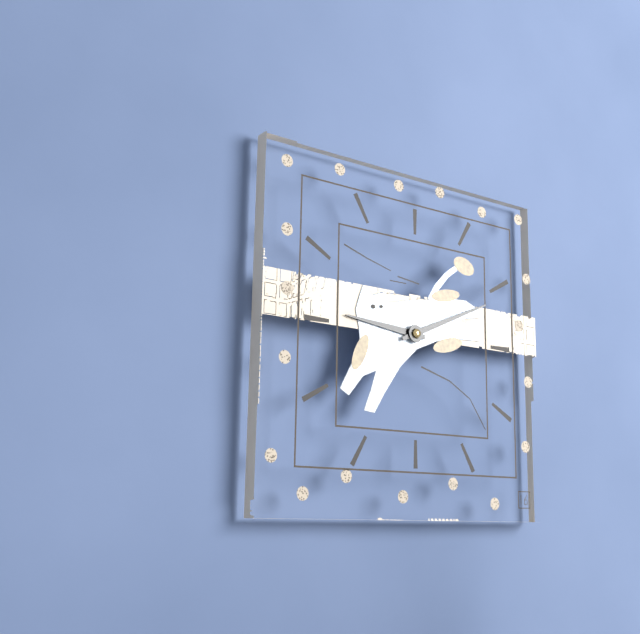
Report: 9:11
